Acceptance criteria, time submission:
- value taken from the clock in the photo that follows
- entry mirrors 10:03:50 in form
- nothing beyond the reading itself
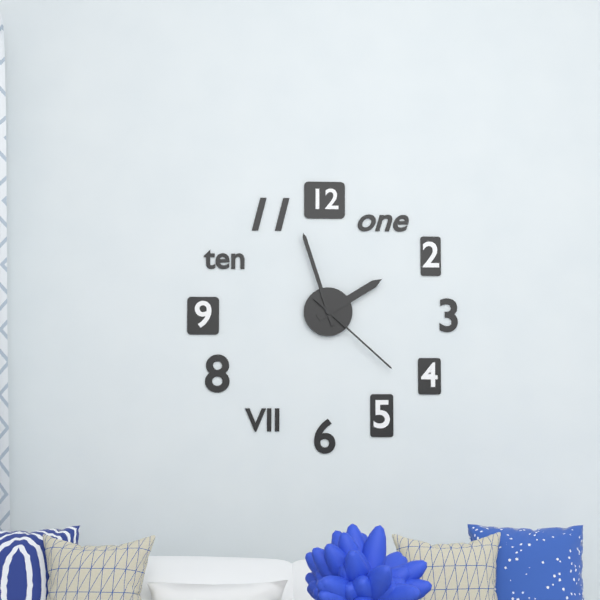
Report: 1:57:22
